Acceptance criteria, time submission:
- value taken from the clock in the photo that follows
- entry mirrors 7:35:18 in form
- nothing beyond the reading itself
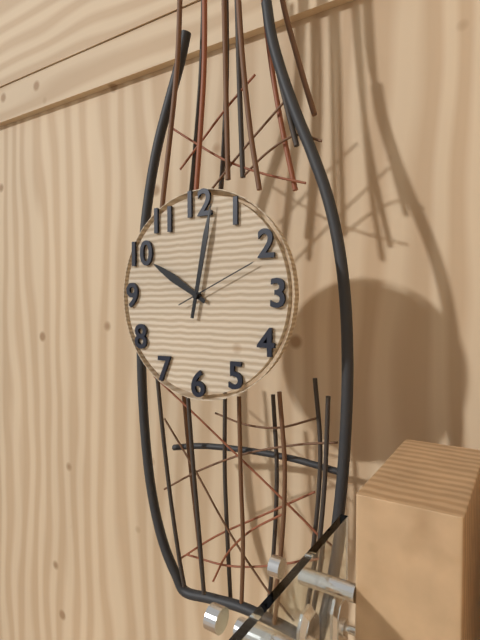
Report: 10:02:11
